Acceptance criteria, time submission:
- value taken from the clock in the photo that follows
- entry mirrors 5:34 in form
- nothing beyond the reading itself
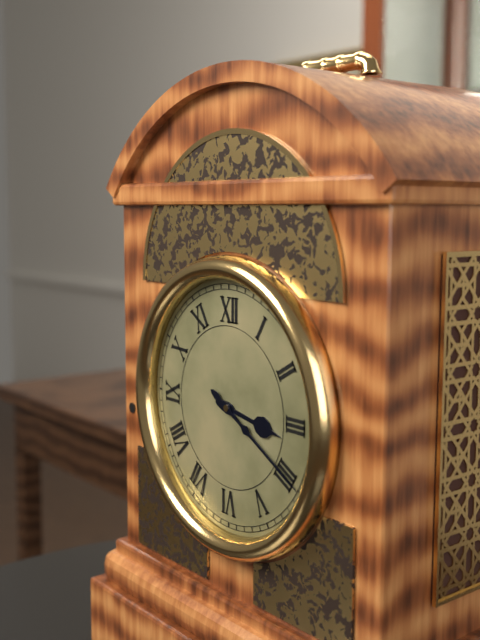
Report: 3:20
